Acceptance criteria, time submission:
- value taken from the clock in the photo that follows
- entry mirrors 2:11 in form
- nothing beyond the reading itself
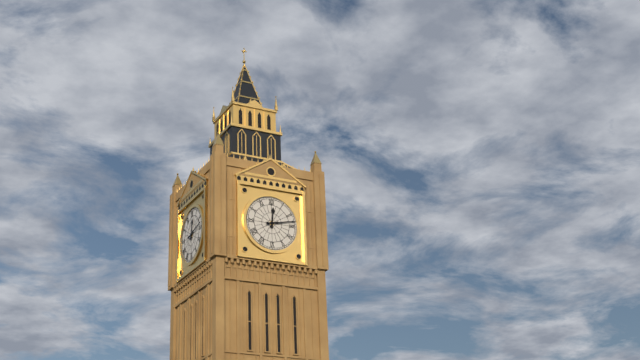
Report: 12:13
